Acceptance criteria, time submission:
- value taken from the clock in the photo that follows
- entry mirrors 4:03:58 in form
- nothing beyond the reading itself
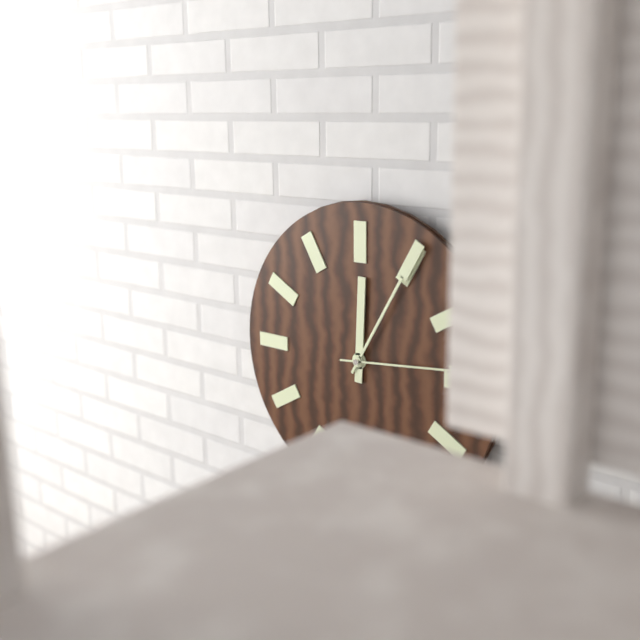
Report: 12:05:14
